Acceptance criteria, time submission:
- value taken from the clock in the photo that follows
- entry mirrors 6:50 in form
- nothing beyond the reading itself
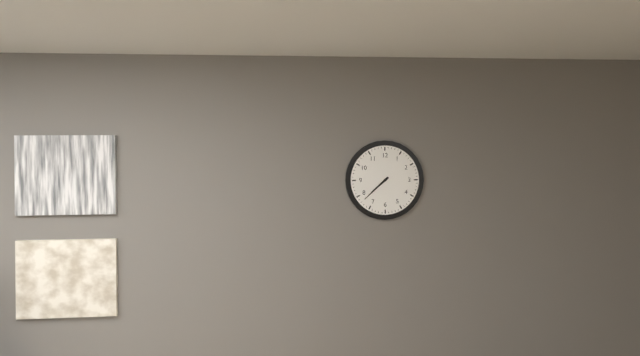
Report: 7:38
